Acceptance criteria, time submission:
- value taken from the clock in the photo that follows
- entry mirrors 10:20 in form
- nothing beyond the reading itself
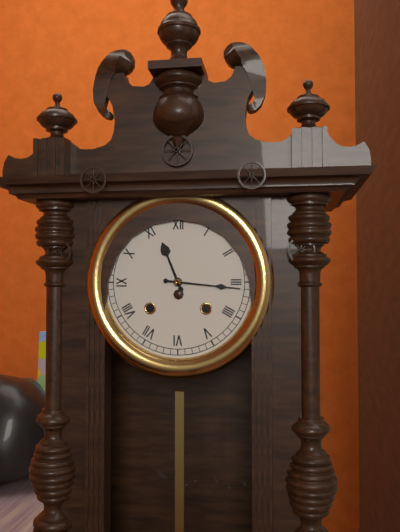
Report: 11:16
